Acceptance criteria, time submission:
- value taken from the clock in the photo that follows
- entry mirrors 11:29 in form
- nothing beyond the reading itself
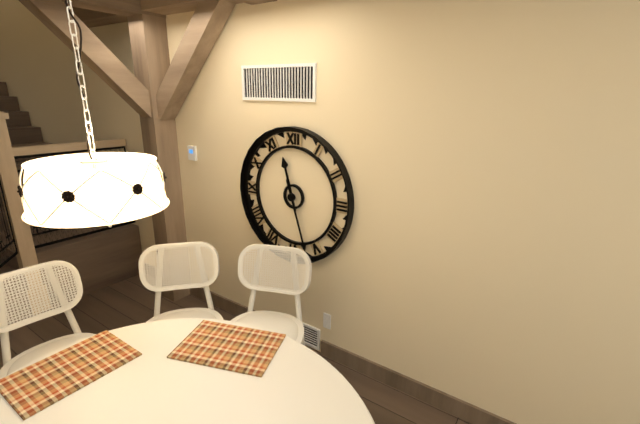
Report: 11:27
